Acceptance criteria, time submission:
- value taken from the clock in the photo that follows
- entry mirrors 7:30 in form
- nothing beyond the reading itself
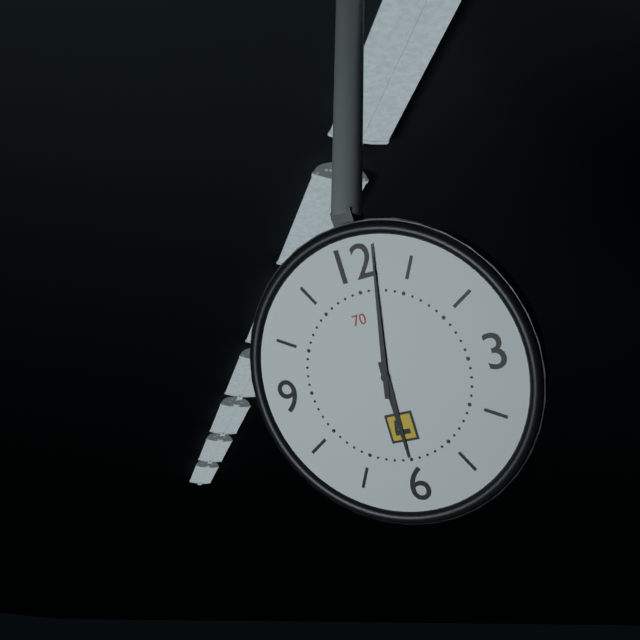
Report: 6:02
